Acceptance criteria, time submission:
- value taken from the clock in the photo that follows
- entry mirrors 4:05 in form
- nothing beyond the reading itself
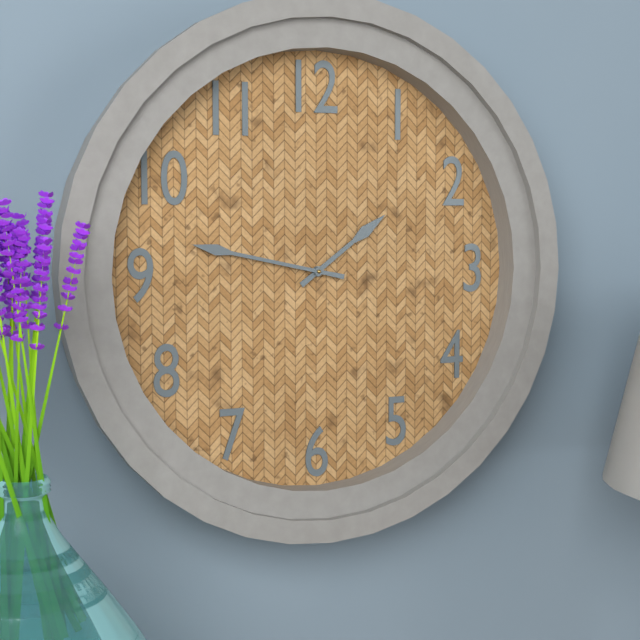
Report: 1:47
